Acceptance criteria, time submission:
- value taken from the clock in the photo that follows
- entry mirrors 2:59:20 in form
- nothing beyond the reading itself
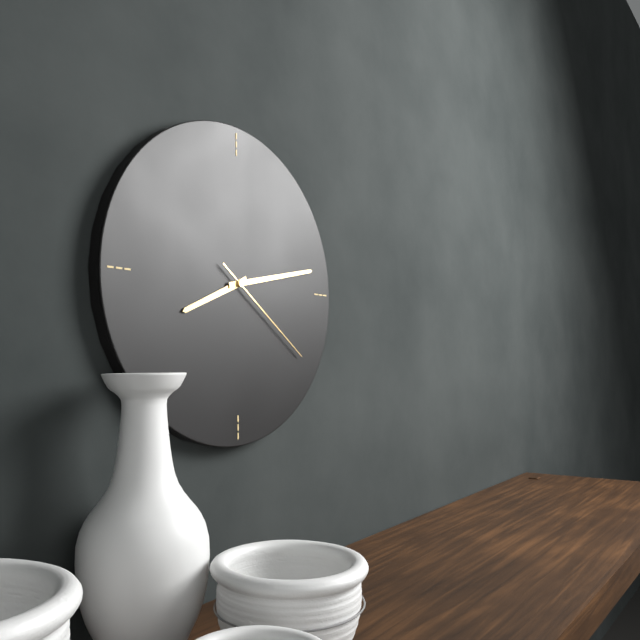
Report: 8:13:21
